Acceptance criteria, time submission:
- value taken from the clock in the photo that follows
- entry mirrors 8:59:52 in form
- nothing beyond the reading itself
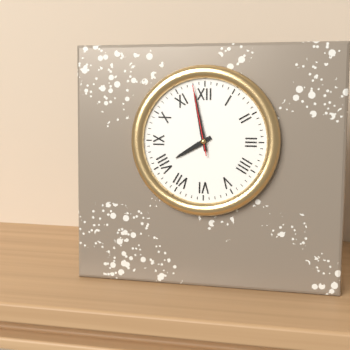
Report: 7:58:58
